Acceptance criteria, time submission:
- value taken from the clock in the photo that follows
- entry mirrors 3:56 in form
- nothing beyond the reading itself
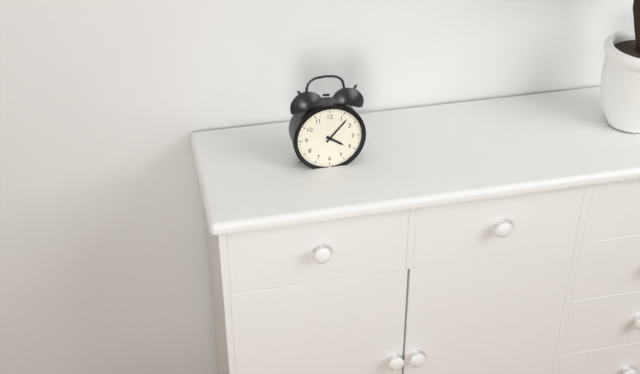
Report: 4:07
